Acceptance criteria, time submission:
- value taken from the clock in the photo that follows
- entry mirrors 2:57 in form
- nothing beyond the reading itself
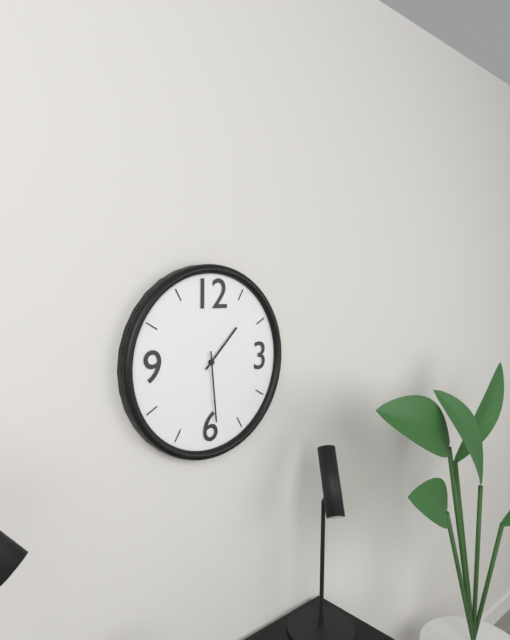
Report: 1:29
